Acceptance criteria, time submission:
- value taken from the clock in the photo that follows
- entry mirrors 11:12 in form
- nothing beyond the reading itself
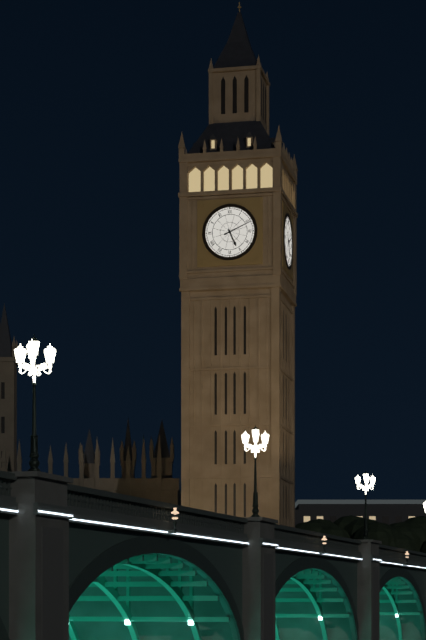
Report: 5:11
